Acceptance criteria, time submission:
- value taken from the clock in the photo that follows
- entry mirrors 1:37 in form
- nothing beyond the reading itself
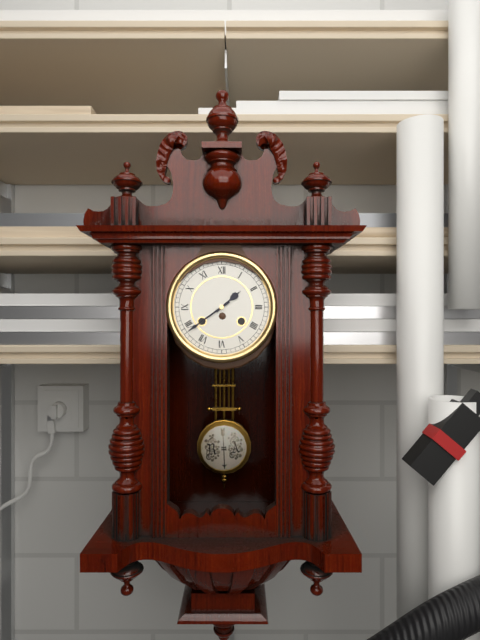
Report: 1:39
